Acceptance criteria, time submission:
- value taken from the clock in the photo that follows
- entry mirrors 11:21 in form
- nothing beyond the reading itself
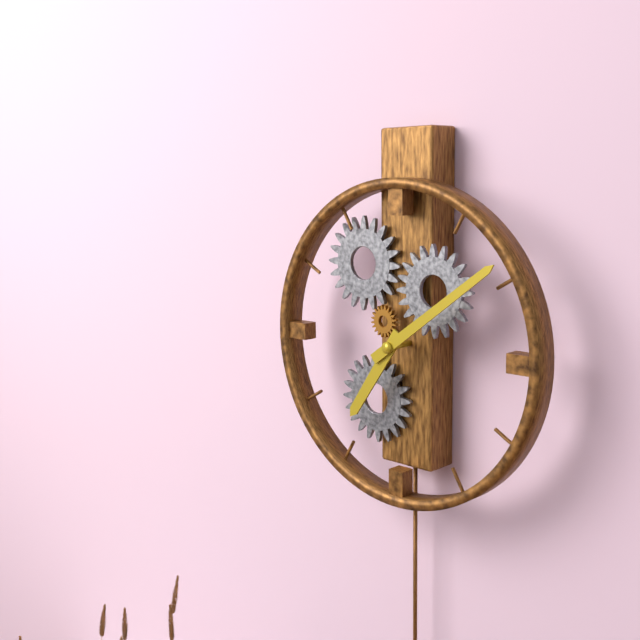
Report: 7:09
